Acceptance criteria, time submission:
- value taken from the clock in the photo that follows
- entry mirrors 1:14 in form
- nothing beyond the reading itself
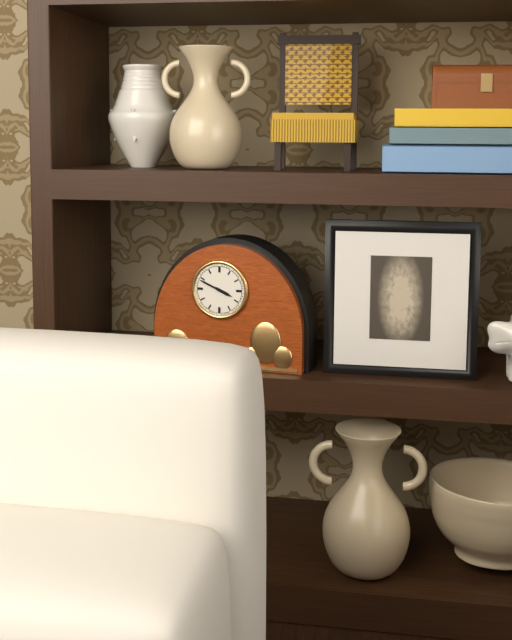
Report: 3:49
